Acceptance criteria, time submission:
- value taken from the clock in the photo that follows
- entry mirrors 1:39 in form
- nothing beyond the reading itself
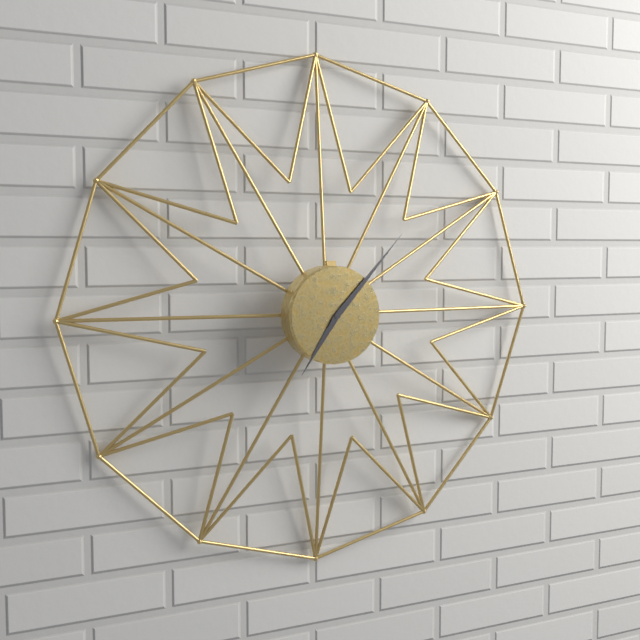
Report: 7:07
